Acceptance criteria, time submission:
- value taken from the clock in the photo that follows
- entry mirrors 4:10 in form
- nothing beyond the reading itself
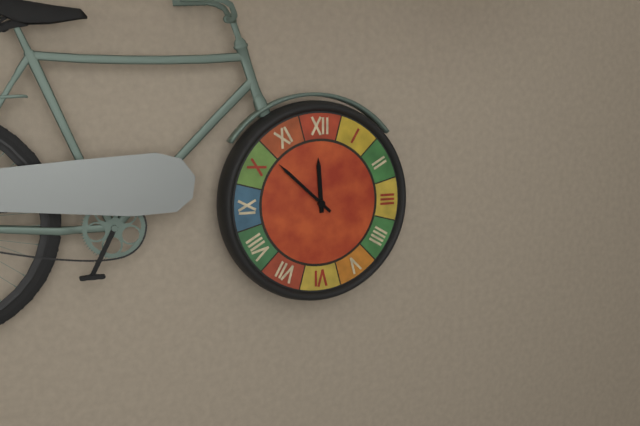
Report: 11:52
